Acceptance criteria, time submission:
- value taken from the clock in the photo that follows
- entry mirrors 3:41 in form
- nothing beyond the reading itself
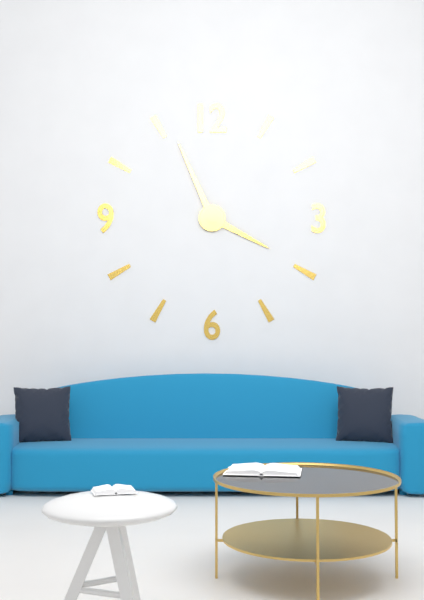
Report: 3:56
